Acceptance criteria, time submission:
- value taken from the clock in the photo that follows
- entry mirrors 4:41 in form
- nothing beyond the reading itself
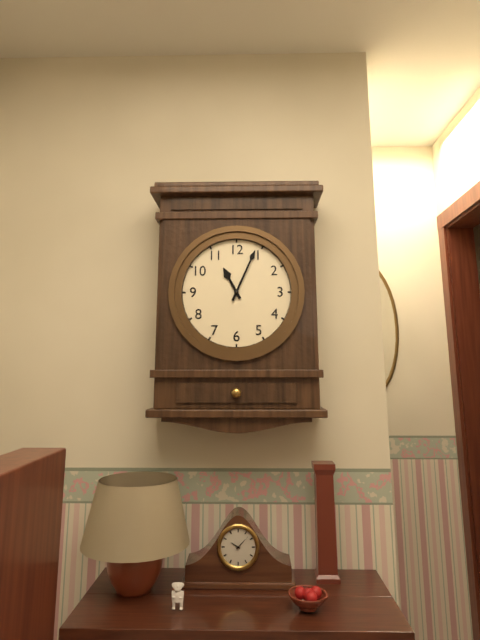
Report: 11:04
